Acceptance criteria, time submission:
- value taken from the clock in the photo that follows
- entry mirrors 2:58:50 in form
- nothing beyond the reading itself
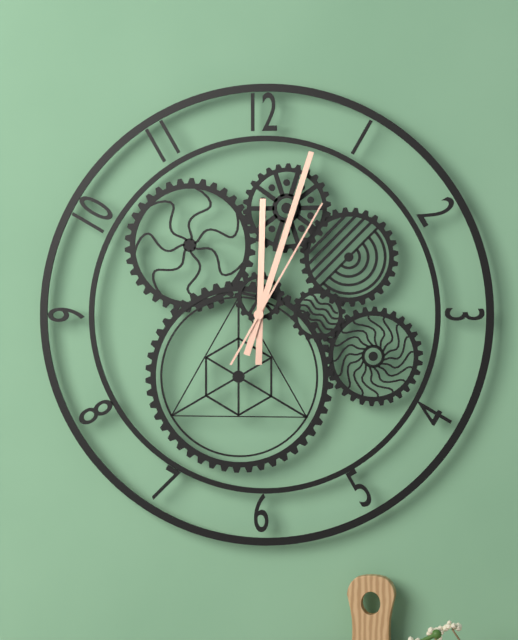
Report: 12:03:05
